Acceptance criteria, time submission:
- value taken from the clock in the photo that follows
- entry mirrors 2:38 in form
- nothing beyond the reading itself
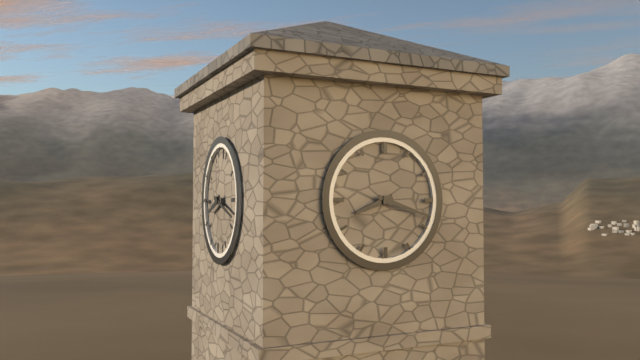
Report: 8:18
